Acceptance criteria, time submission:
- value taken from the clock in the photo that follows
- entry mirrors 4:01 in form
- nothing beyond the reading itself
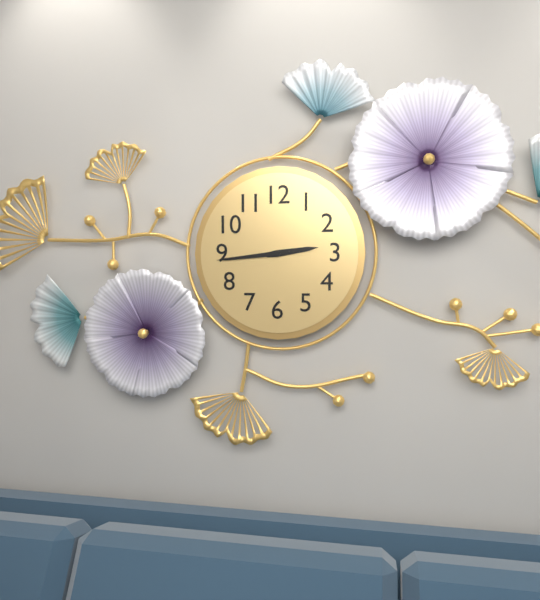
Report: 2:44
